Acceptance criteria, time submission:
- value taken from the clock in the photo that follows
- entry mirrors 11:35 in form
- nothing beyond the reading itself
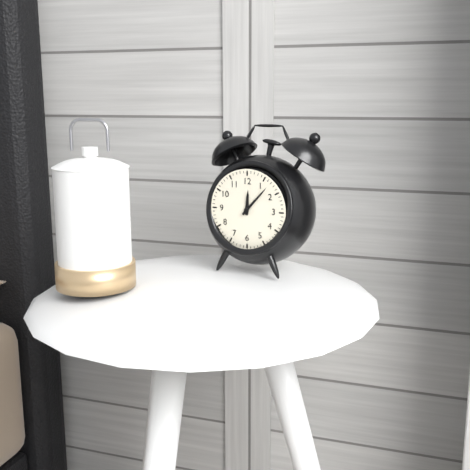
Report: 12:07
